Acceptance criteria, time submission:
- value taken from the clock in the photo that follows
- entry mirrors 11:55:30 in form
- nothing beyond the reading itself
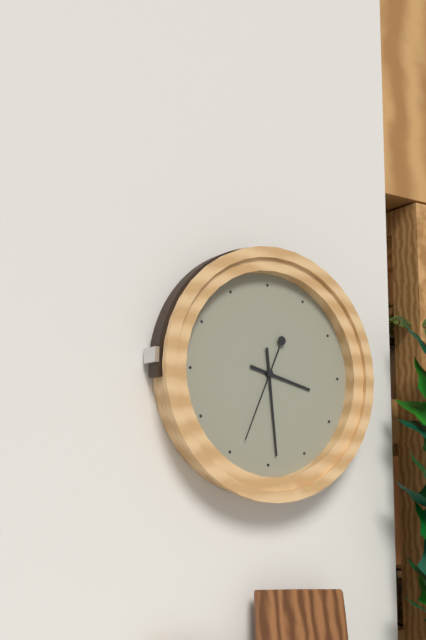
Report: 3:29:34
